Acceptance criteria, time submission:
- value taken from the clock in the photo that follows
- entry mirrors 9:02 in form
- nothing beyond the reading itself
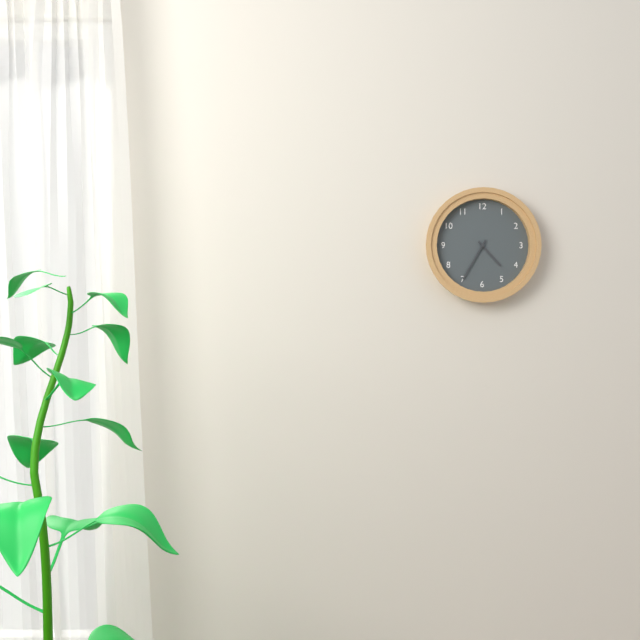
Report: 4:35
